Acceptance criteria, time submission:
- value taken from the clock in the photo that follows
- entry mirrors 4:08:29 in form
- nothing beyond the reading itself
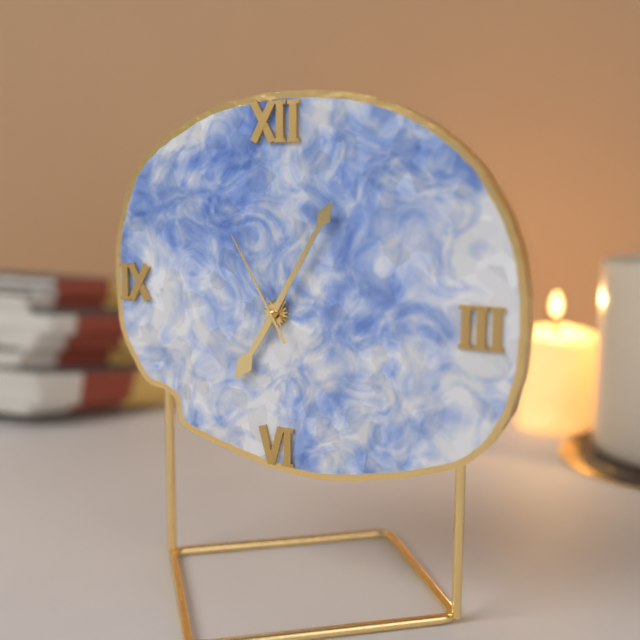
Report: 7:05:55
